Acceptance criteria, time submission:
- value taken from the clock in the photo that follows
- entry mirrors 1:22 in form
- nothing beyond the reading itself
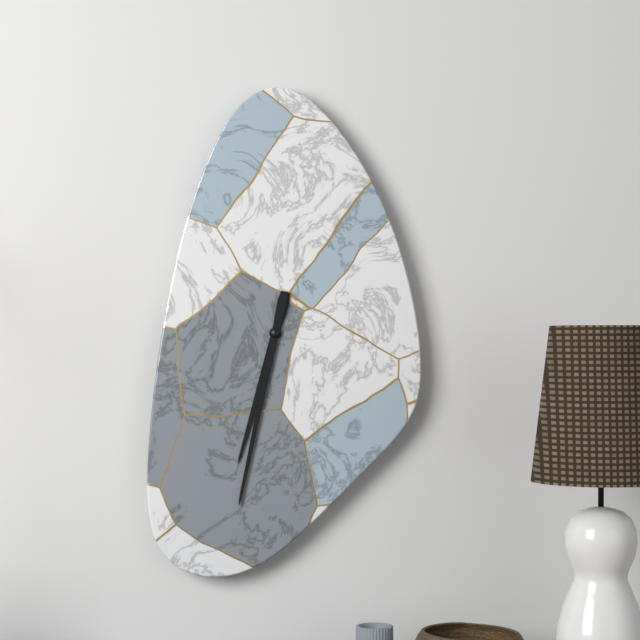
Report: 6:32
